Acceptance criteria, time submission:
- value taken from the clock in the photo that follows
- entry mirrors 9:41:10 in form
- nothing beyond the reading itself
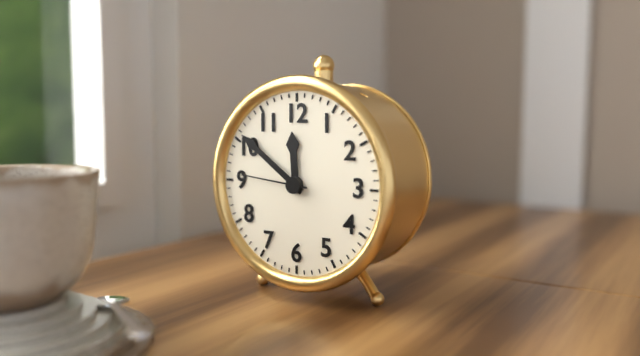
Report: 11:51:46
